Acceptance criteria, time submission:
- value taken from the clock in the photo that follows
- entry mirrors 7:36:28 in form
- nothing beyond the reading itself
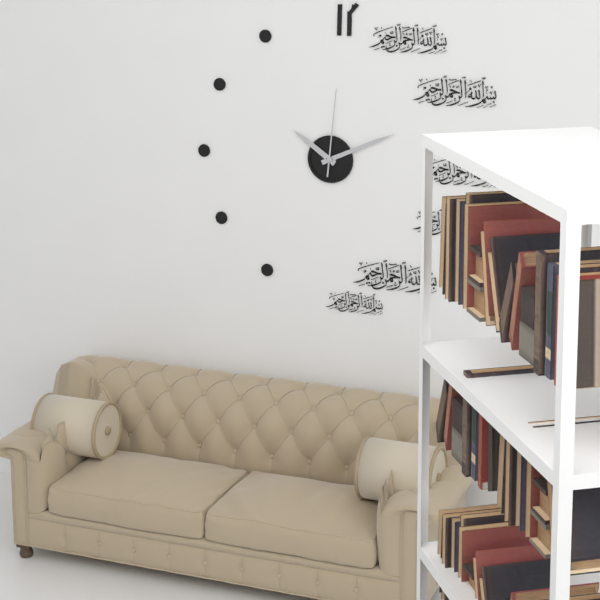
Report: 10:11:01
